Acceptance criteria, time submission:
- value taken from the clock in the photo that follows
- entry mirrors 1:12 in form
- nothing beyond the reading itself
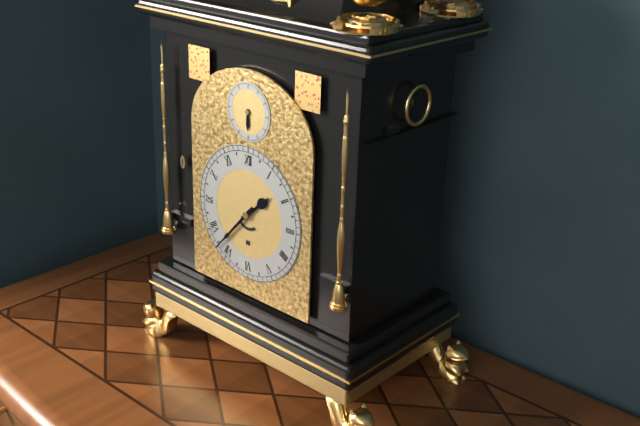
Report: 1:37
